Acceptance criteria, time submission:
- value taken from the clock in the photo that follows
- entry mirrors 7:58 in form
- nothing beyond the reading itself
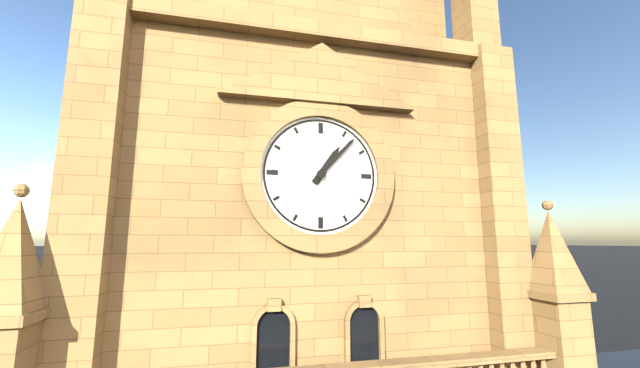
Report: 1:07
